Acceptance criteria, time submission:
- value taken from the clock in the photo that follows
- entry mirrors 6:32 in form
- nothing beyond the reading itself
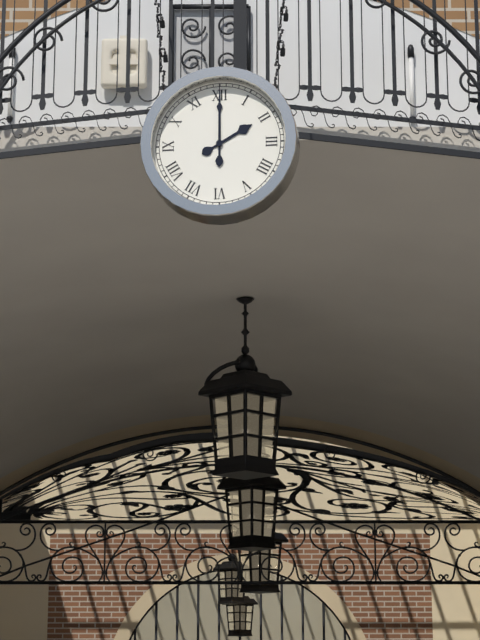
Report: 2:00
